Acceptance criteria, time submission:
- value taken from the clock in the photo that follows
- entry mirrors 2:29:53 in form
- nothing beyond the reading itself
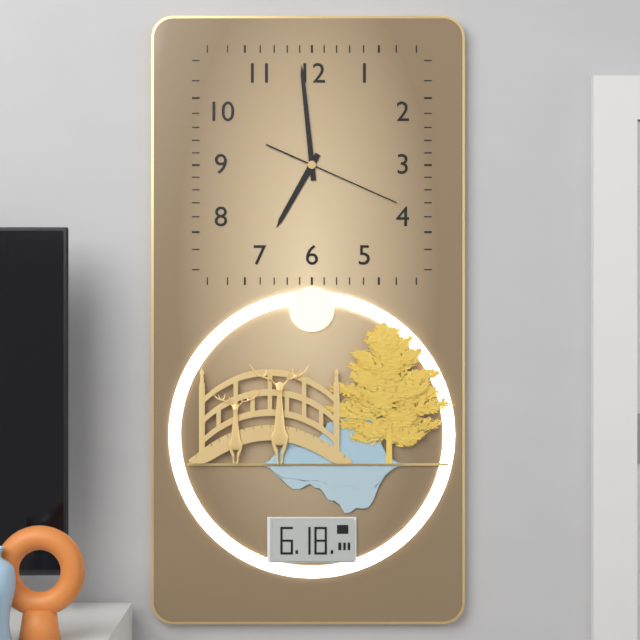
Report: 6:59:19
